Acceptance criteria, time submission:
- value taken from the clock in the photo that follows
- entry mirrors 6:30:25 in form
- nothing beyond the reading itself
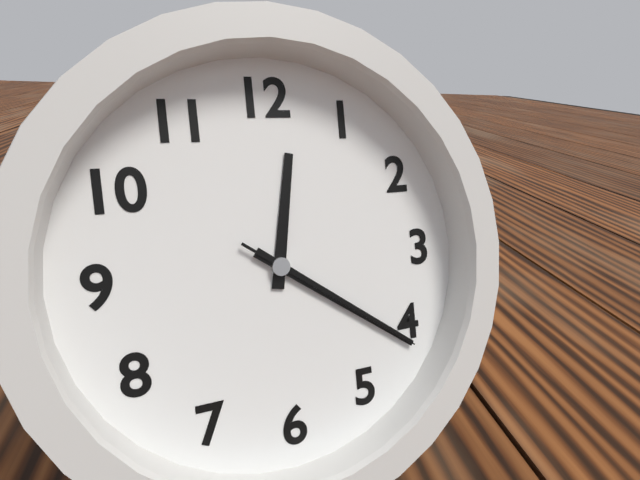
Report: 12:21:21
